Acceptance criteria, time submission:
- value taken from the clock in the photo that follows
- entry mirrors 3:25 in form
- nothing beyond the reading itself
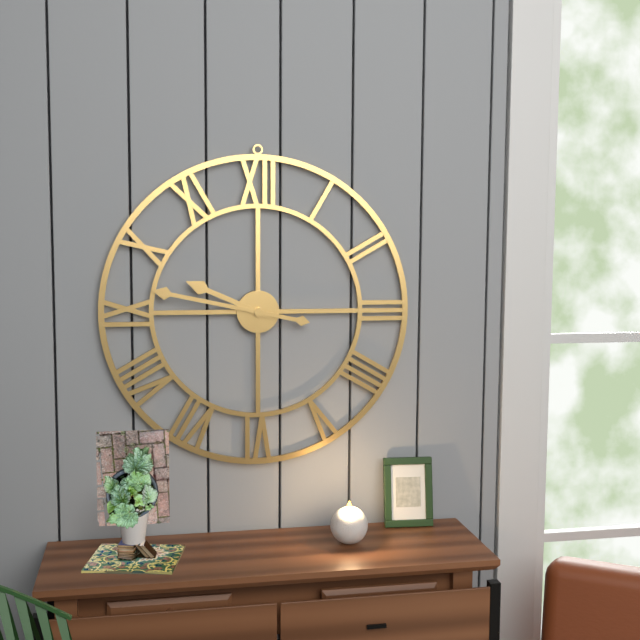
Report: 9:47
